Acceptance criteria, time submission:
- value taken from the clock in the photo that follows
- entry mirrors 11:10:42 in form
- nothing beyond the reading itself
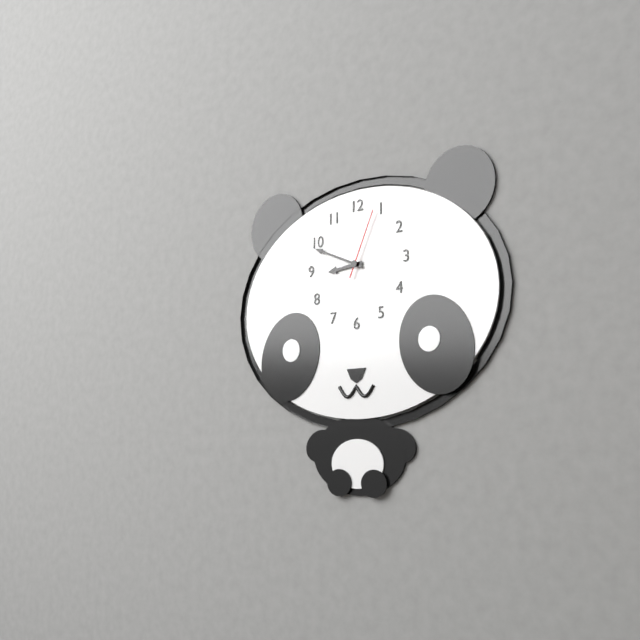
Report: 8:49:04
